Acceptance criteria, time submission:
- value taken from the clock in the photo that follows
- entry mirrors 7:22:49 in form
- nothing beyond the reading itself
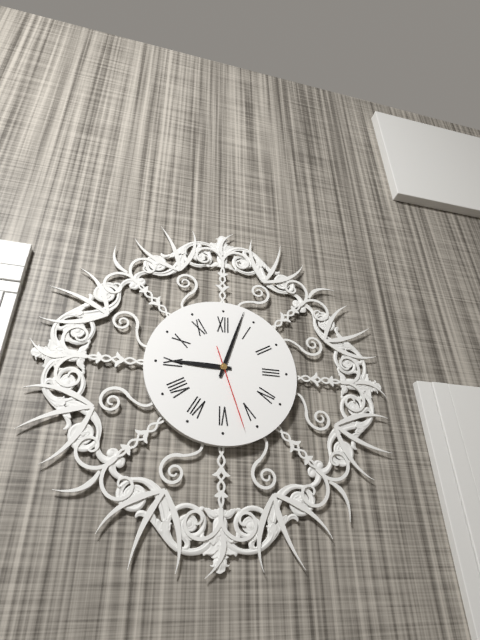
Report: 9:03:27
